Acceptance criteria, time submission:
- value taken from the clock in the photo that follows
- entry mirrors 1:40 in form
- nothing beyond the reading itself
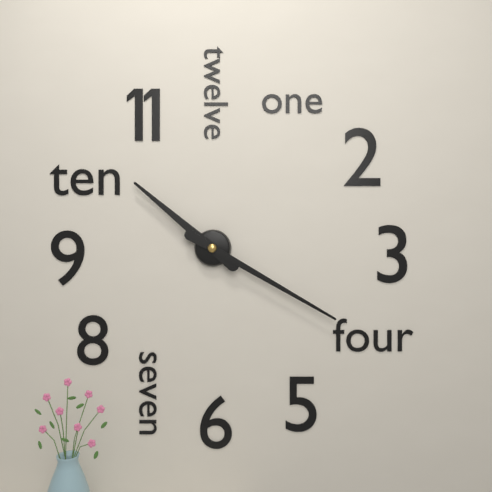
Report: 10:20
